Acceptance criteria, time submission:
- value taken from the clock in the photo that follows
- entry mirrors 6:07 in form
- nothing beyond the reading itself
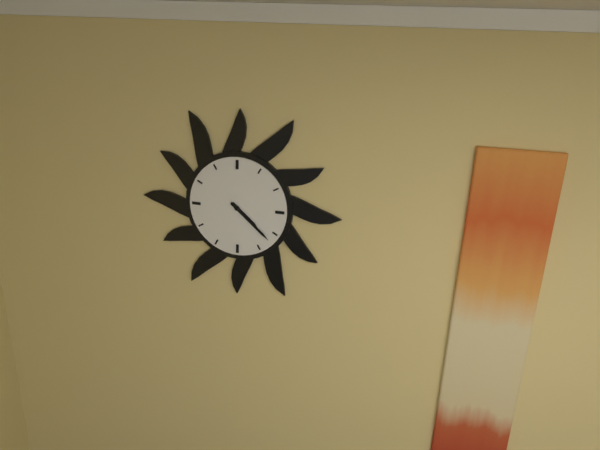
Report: 4:22
